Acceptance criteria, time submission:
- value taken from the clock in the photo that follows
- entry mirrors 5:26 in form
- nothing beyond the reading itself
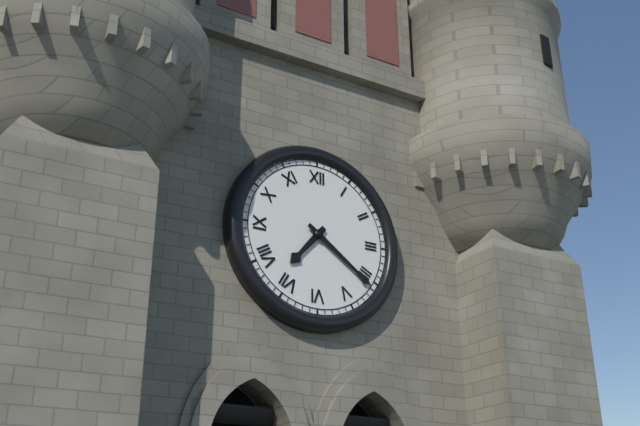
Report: 7:21
